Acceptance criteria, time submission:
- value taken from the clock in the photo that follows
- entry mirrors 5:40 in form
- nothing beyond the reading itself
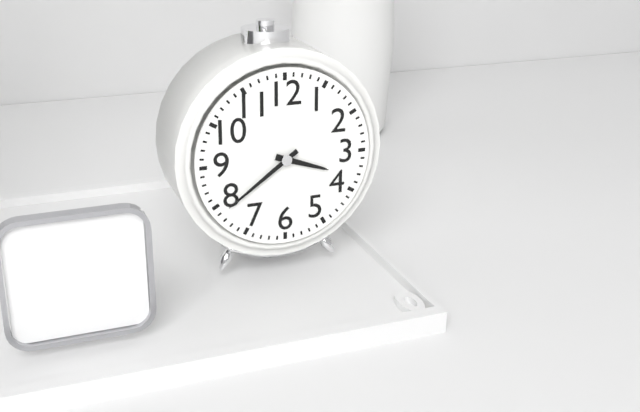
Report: 3:39
